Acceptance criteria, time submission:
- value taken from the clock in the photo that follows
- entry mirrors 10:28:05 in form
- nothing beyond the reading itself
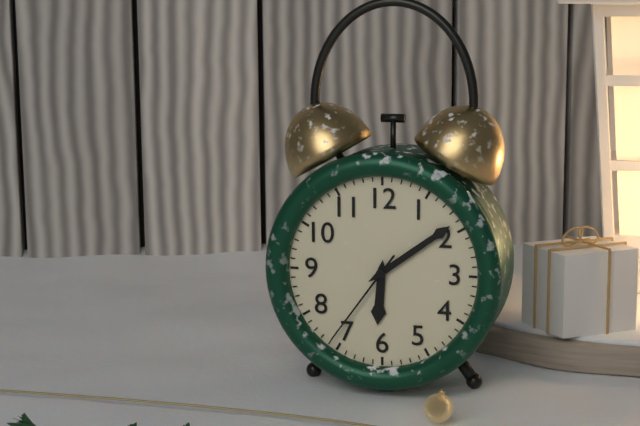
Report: 6:09:36
